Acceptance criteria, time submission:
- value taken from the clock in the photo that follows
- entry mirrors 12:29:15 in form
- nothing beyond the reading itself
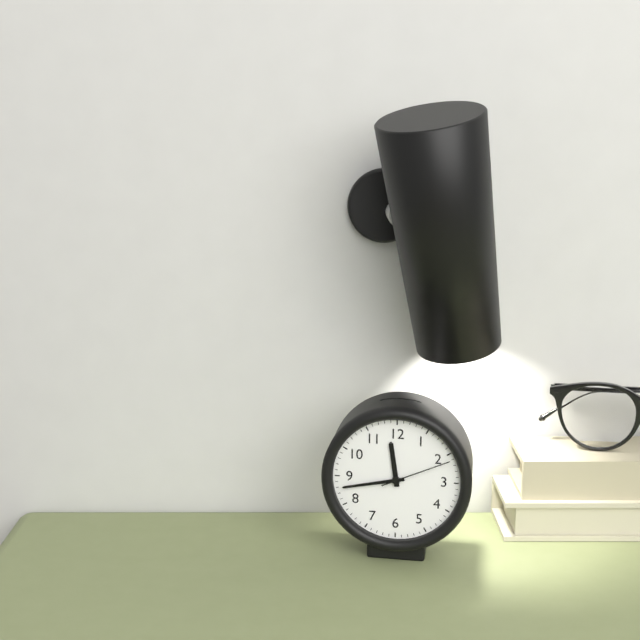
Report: 11:43:11
